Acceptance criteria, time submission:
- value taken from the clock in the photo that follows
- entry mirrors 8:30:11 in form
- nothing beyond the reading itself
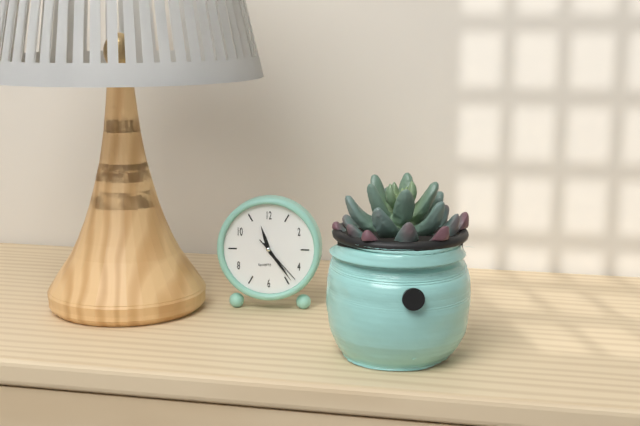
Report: 11:24:23
